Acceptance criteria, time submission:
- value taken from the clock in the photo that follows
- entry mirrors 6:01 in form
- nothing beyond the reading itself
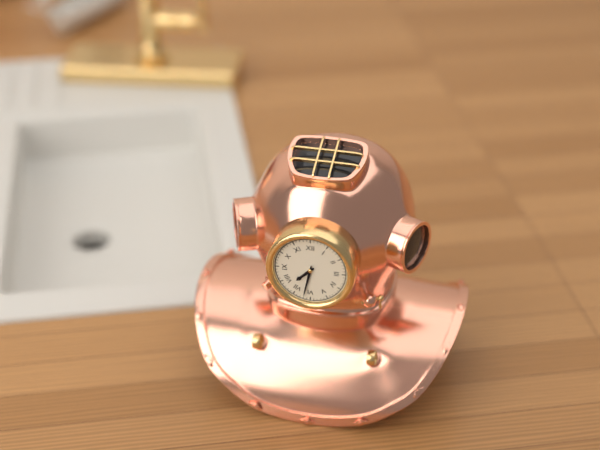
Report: 7:32
